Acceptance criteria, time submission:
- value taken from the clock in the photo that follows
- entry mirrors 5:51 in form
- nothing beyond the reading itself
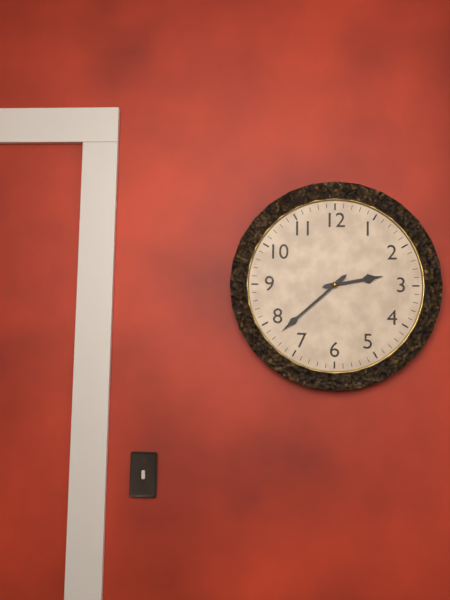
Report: 2:38
